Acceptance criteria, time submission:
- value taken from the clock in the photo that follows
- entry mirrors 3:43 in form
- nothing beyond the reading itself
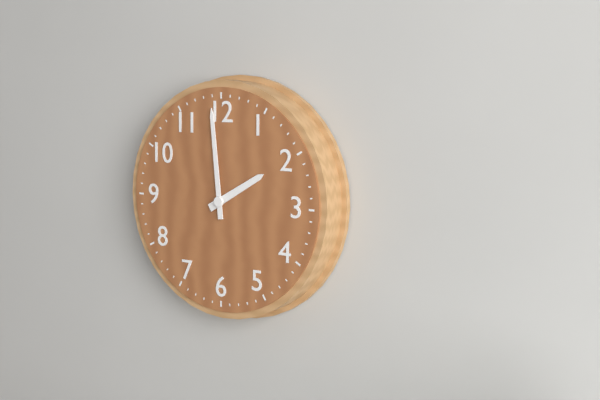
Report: 1:59
